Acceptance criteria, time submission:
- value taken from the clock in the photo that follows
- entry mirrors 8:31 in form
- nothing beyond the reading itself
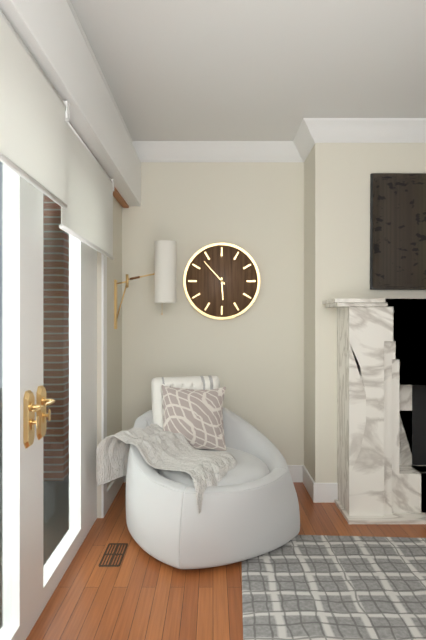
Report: 5:53
